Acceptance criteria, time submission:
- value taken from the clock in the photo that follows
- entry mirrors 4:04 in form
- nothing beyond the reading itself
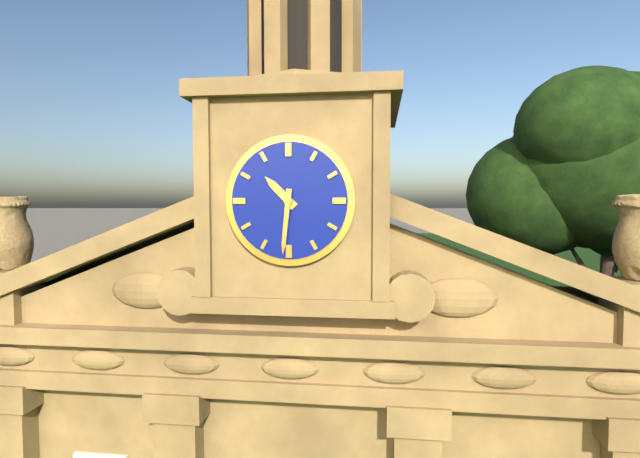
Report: 10:31
